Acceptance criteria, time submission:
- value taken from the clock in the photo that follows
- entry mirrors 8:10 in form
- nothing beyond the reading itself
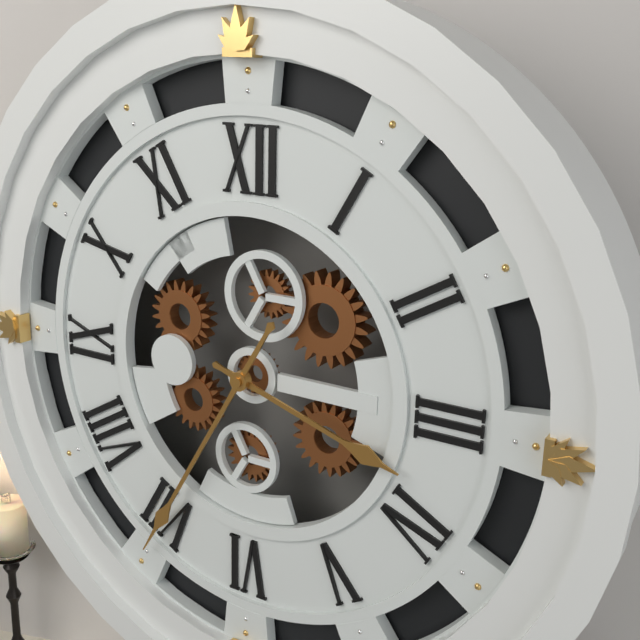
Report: 3:35
